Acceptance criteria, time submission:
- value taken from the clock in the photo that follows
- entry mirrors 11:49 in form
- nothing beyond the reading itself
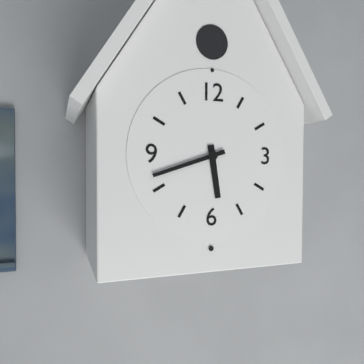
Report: 5:42
